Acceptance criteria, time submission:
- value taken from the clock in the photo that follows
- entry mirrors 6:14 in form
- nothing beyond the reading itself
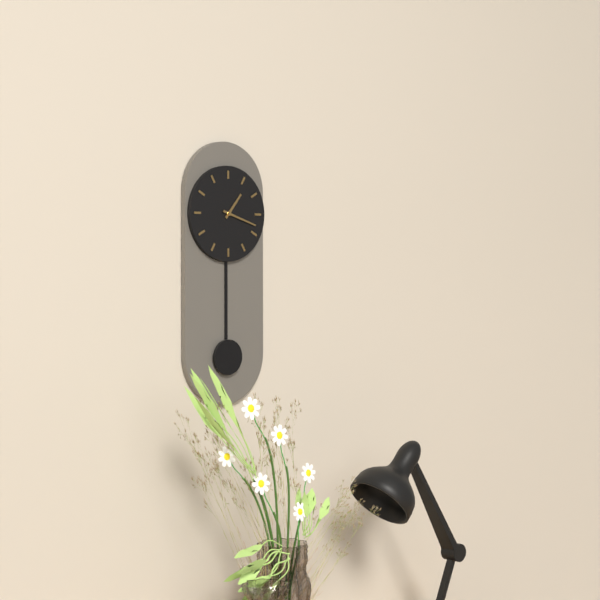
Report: 1:18
